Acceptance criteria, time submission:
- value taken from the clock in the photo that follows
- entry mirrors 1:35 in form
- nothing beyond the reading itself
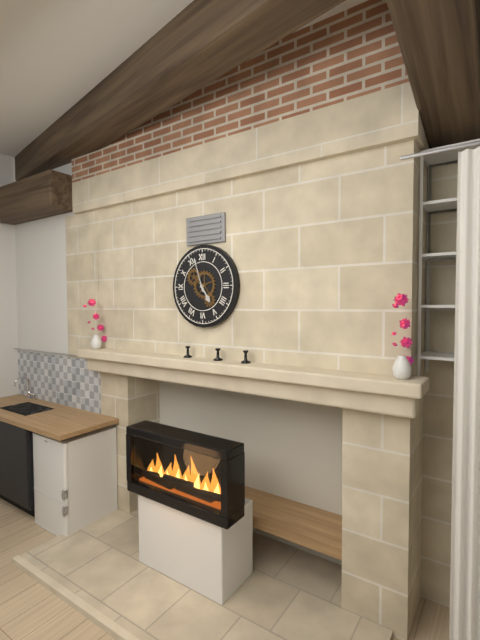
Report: 4:57
